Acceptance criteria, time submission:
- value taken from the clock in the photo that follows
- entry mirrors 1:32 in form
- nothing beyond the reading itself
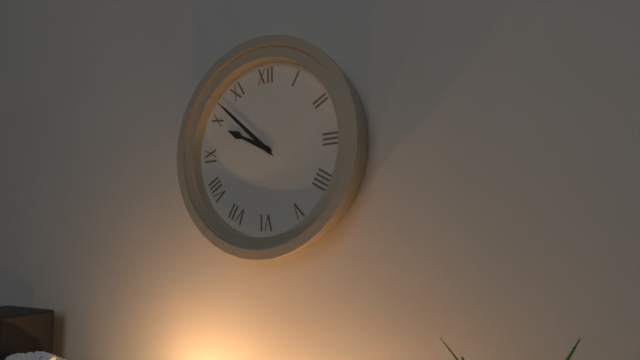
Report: 9:52
